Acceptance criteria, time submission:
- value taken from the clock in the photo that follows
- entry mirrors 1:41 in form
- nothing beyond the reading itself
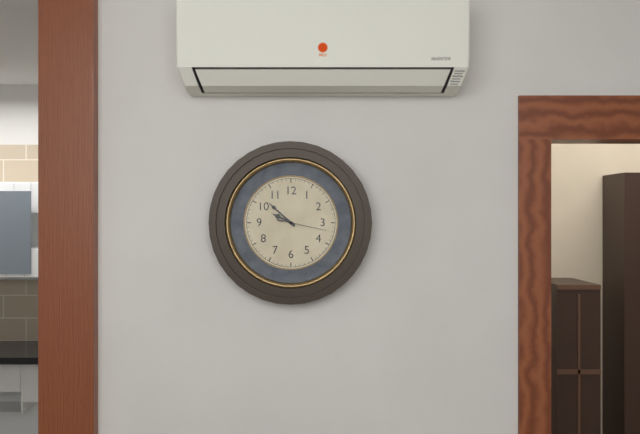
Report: 9:52
